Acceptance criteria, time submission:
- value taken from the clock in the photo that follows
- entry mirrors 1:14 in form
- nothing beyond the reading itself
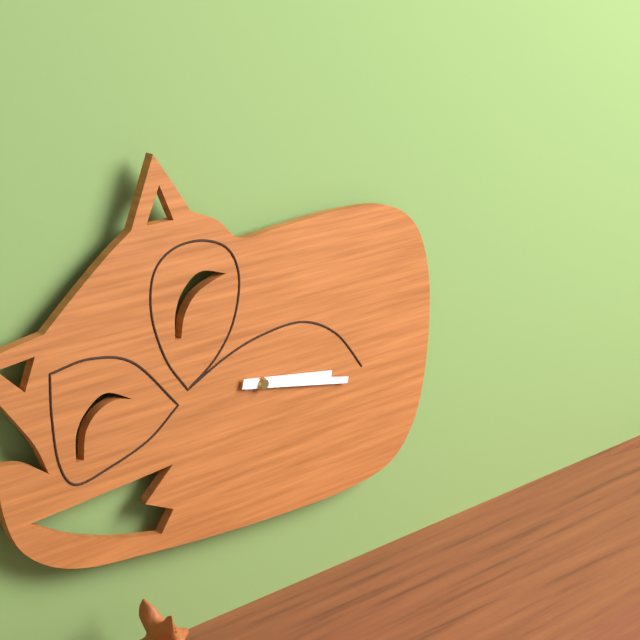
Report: 3:17
